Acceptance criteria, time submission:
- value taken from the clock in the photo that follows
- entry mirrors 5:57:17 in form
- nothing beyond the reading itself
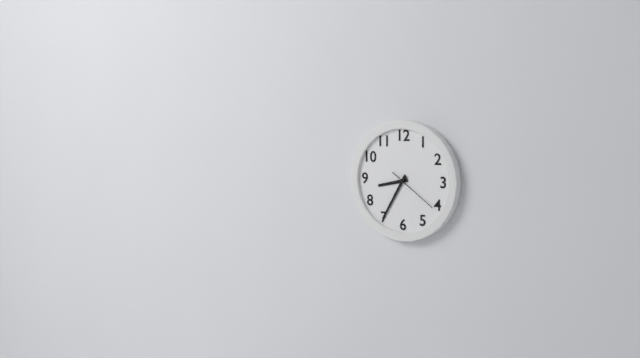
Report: 8:35:21
